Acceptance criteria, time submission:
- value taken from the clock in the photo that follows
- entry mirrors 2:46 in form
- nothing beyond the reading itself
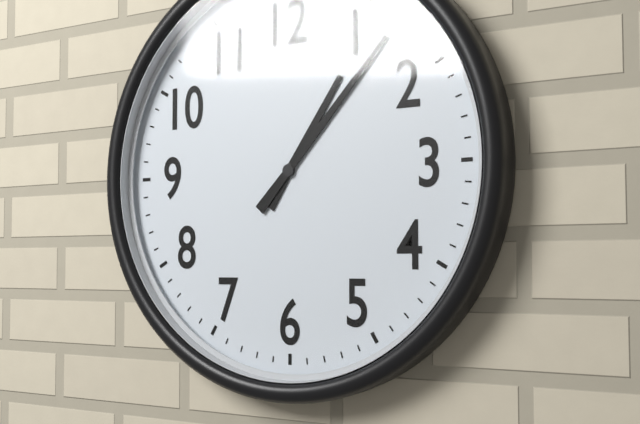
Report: 1:07
